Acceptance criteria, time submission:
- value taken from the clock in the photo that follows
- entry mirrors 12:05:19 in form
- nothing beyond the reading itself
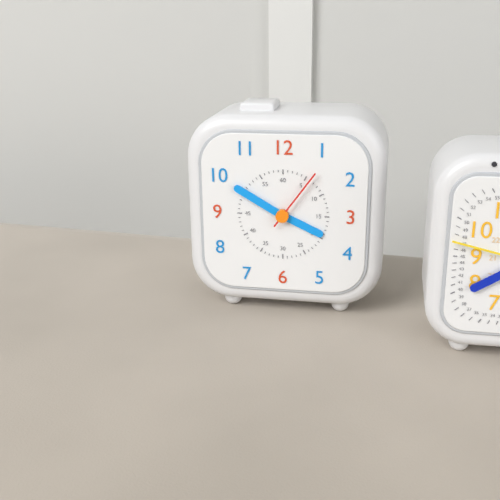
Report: 3:50:06
